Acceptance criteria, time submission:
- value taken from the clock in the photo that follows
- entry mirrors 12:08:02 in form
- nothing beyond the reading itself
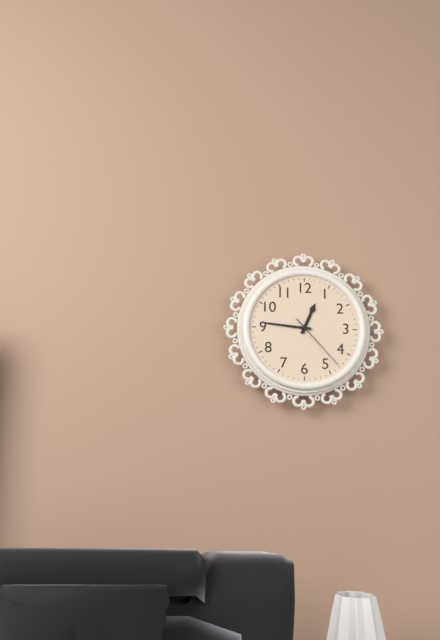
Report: 12:46:23
